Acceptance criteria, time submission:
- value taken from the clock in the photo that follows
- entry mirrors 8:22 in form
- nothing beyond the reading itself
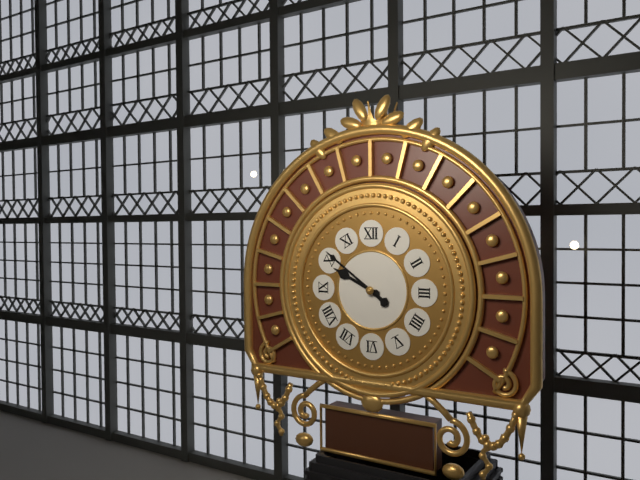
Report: 9:51
